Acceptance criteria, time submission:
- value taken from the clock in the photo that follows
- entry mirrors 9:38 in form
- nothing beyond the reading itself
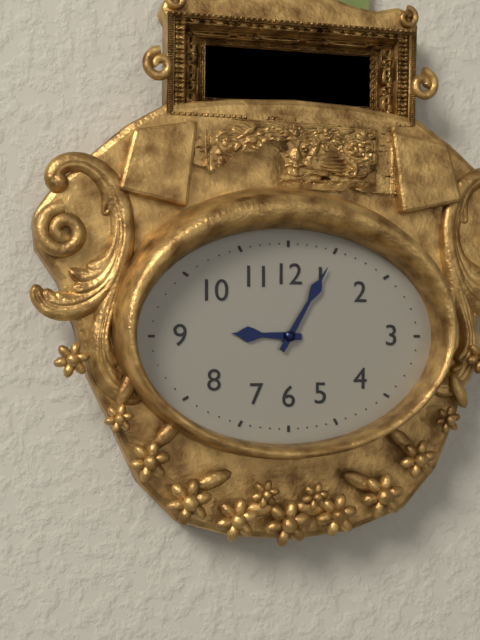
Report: 9:05
